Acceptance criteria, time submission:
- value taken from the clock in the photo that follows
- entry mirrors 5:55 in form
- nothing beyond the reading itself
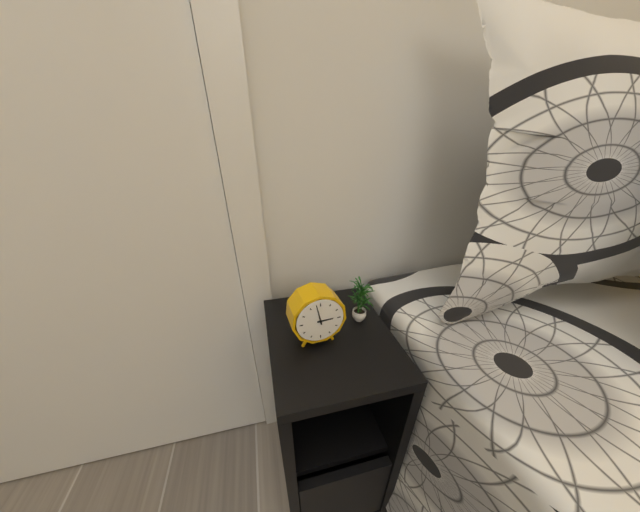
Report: 2:58
